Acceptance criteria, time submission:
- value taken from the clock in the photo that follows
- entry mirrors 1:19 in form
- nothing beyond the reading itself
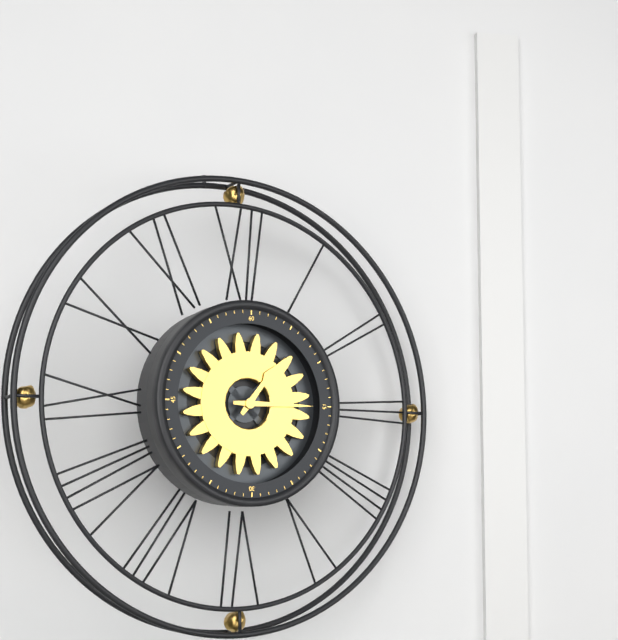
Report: 1:15
